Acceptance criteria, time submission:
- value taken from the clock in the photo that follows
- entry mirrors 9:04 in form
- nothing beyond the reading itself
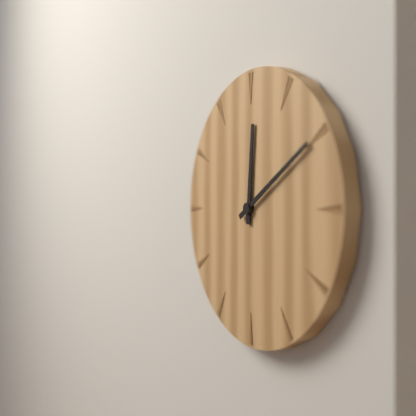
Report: 12:10
